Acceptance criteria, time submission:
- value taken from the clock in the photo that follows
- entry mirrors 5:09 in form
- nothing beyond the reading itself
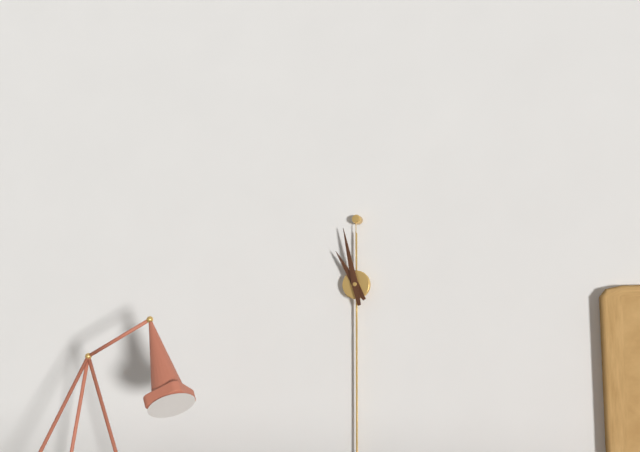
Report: 10:58
